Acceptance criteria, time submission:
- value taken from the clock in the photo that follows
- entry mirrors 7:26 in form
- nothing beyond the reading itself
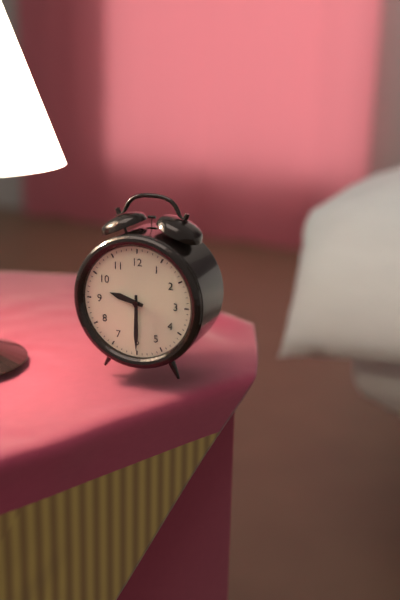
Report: 9:30
